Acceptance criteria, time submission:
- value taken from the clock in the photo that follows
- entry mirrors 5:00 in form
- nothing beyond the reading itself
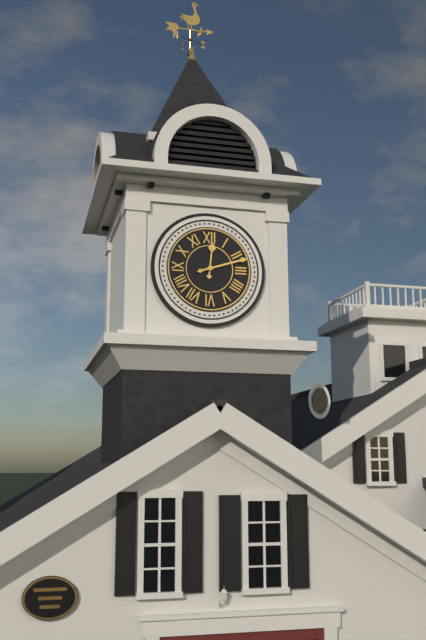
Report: 12:12
